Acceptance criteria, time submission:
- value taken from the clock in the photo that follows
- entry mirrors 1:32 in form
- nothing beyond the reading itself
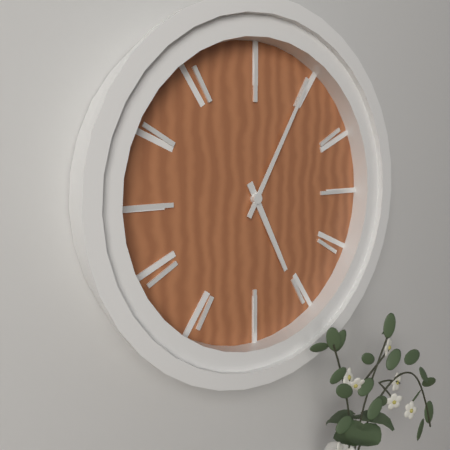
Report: 5:05
